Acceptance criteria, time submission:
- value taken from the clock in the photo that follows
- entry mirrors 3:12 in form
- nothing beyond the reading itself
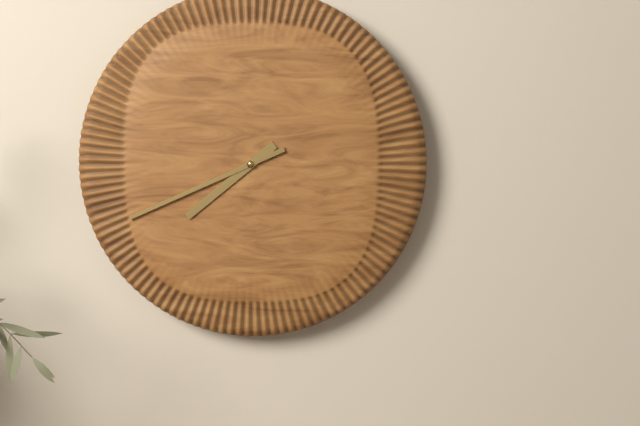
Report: 7:41
